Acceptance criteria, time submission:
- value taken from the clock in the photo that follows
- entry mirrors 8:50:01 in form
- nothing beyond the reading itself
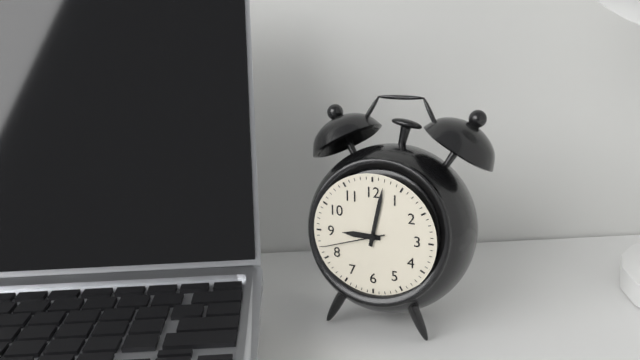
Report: 9:02:42
